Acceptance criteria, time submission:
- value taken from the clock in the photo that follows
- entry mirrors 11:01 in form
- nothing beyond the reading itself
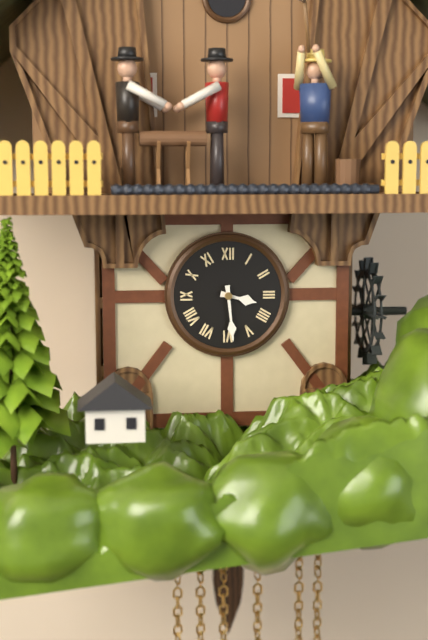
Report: 3:29
